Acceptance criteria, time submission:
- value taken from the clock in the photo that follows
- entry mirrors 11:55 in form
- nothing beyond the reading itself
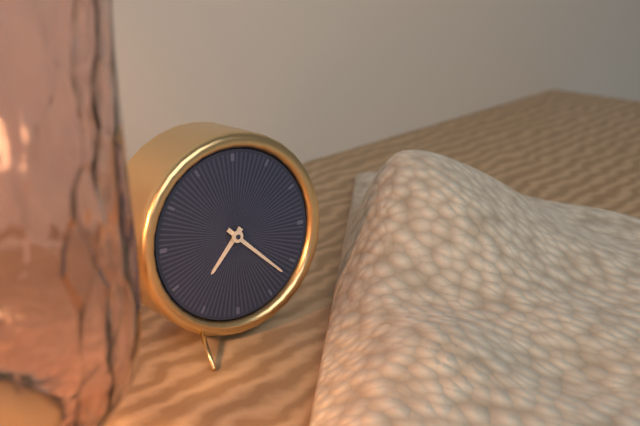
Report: 7:22
